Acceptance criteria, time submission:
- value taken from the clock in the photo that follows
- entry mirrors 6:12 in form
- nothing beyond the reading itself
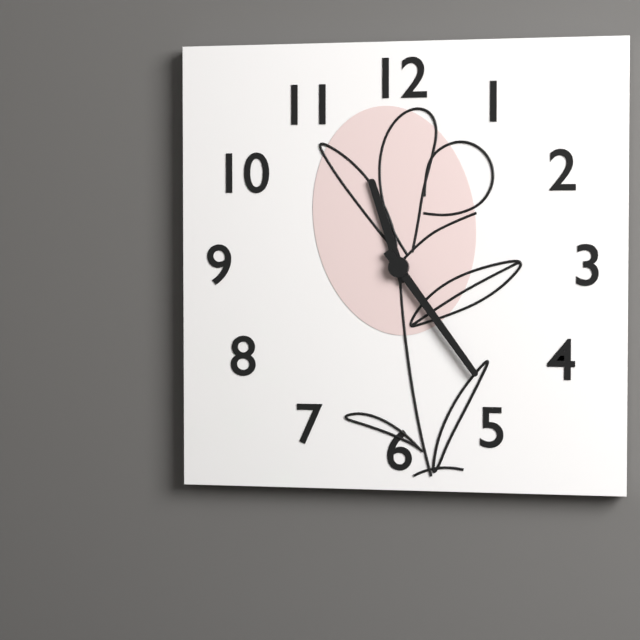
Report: 11:24
